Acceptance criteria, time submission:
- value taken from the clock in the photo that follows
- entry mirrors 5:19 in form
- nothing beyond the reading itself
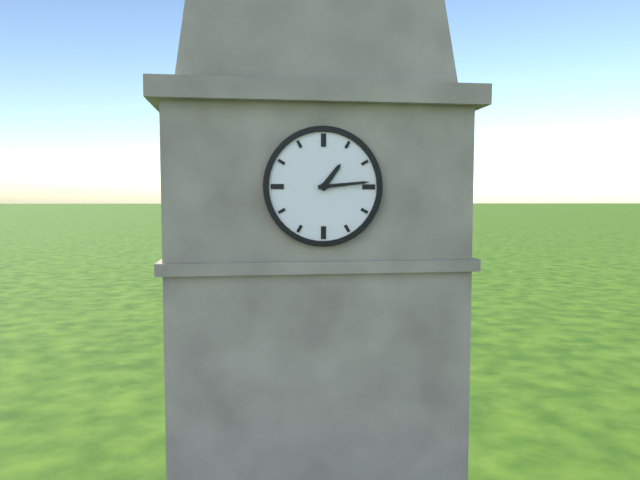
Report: 1:14
